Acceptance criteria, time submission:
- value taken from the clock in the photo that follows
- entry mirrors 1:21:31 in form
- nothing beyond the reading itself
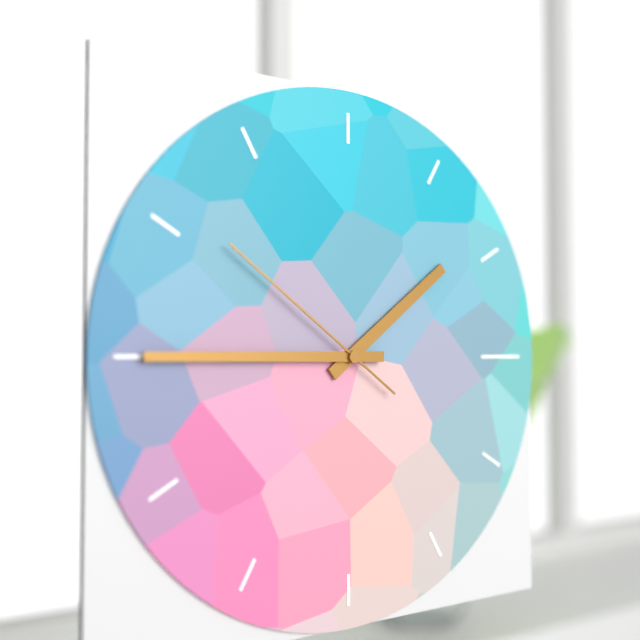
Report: 1:45:51
